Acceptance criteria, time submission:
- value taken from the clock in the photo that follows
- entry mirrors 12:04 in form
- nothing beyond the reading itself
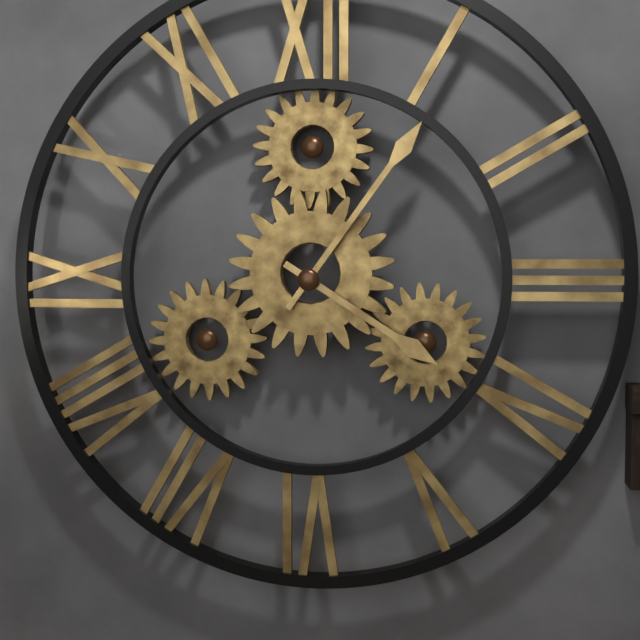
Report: 4:06
